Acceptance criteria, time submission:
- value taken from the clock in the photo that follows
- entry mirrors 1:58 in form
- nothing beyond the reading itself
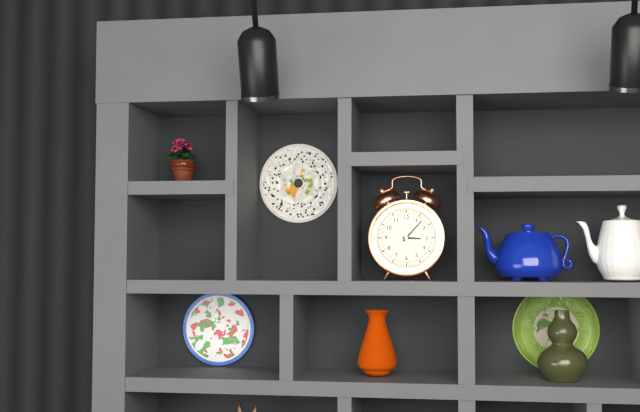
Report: 3:07
